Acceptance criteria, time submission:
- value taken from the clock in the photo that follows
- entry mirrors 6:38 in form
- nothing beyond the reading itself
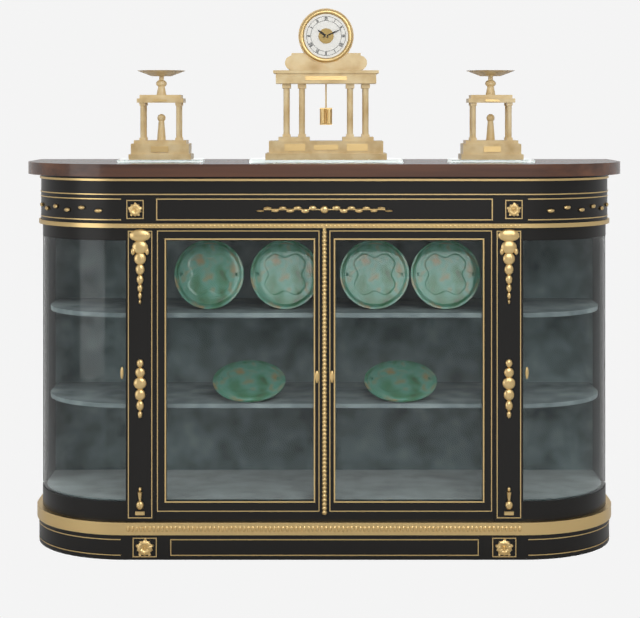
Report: 10:11
